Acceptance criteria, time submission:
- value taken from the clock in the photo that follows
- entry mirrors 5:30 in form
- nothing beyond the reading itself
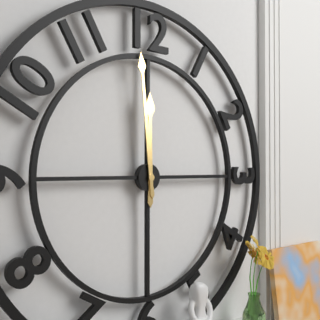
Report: 11:59
